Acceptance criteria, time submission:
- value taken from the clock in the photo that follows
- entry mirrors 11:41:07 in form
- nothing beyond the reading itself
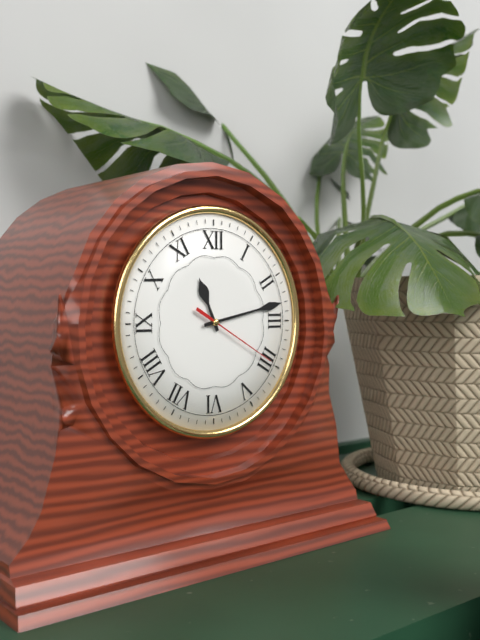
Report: 11:13:20
